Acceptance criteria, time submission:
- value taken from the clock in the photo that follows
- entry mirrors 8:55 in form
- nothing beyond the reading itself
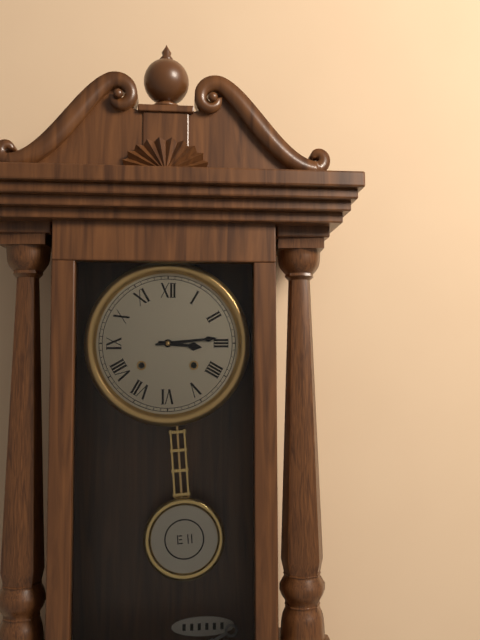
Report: 3:14
